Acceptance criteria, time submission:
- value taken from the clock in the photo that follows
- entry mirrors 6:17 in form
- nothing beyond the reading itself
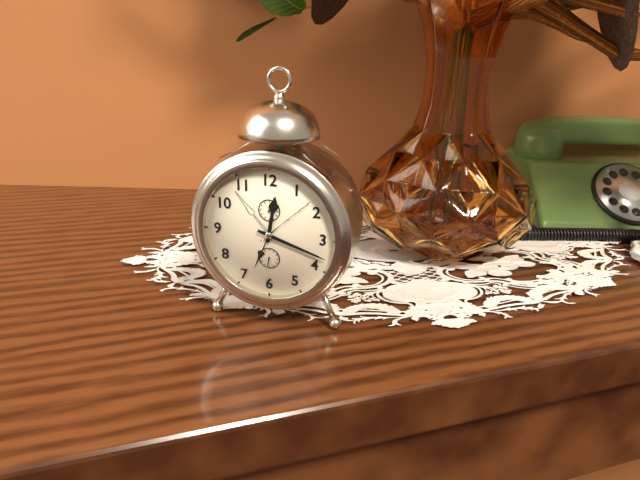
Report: 12:18
